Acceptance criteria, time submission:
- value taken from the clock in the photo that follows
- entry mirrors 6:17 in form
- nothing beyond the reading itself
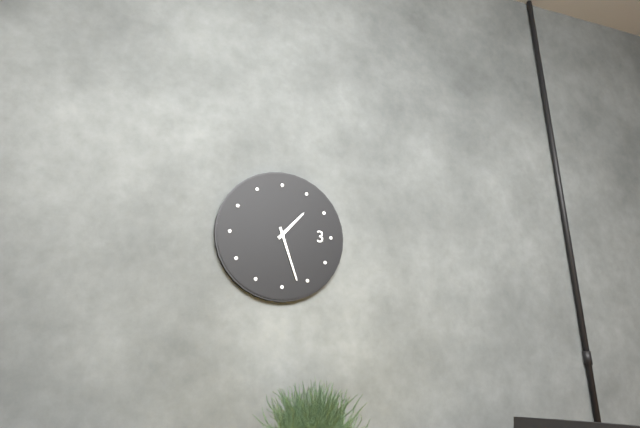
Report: 1:27
